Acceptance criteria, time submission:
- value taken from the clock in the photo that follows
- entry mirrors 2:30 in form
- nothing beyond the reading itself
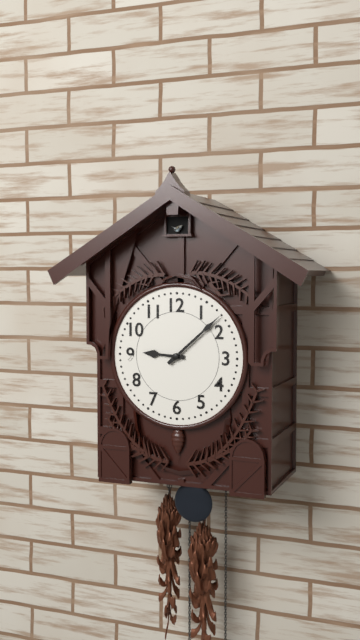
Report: 9:08
